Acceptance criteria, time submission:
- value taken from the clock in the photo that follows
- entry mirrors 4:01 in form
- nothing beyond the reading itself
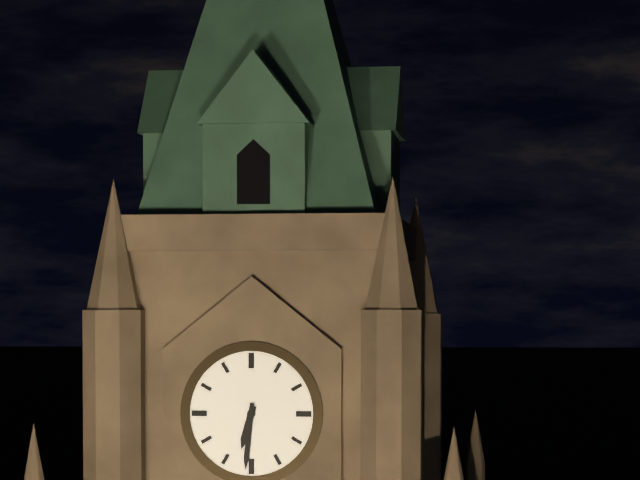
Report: 6:31
